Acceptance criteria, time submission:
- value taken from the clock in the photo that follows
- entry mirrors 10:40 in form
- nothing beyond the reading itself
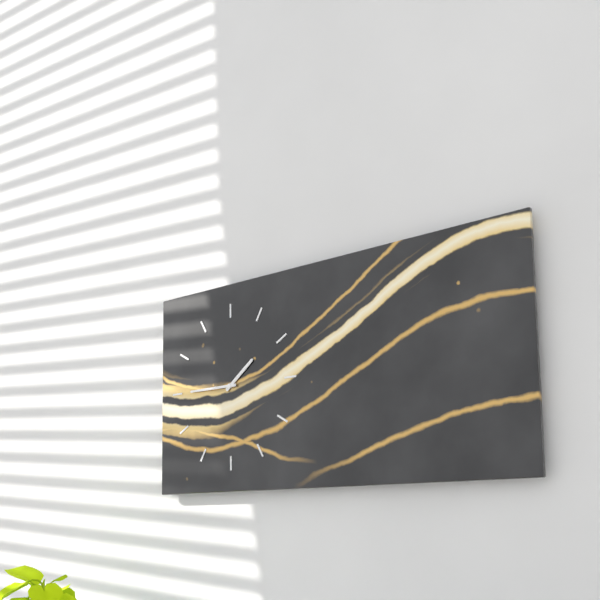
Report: 1:45
